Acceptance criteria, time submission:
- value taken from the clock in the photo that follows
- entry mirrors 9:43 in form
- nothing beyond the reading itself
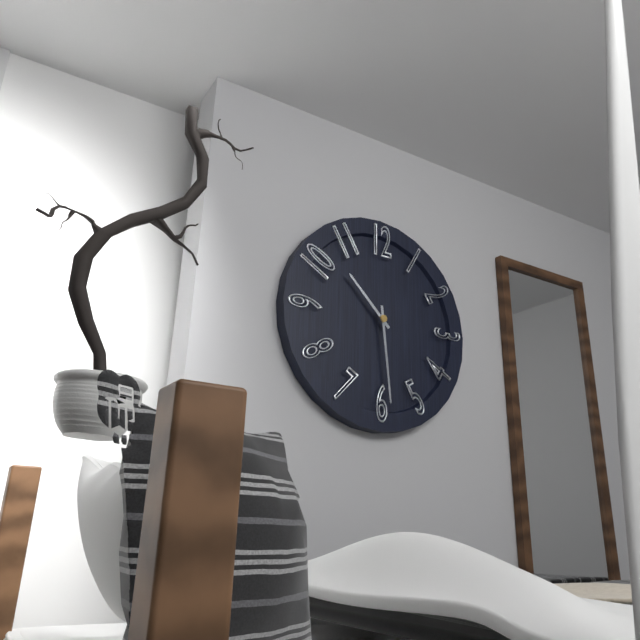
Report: 10:29
